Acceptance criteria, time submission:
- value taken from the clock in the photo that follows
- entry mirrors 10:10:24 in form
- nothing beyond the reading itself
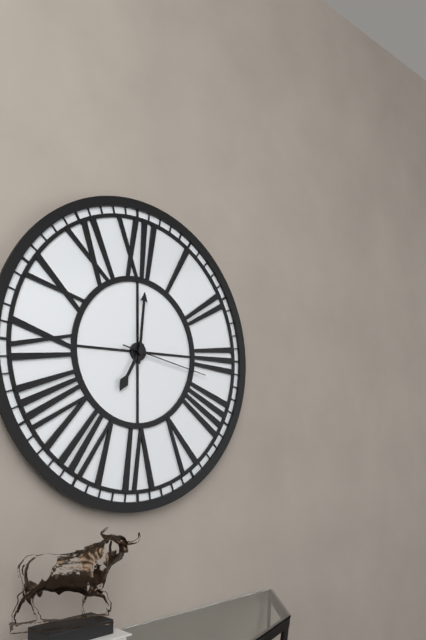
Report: 7:01:17
